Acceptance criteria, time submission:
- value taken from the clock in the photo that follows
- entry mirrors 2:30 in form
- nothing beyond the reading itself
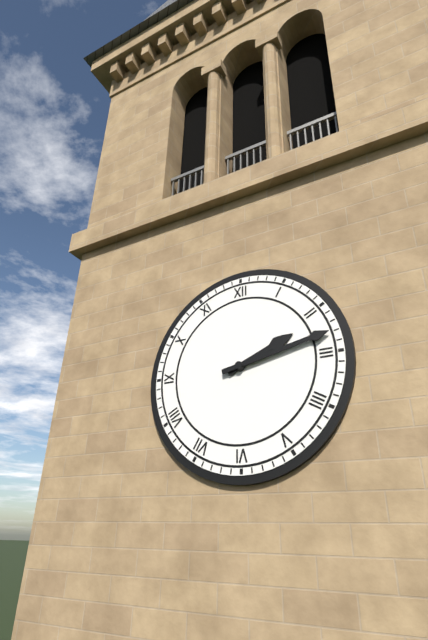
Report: 2:13
